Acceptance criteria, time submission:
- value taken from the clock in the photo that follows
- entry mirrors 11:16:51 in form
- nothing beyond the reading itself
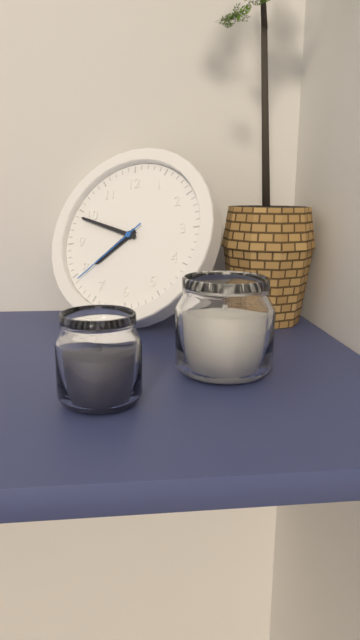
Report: 7:49:39
